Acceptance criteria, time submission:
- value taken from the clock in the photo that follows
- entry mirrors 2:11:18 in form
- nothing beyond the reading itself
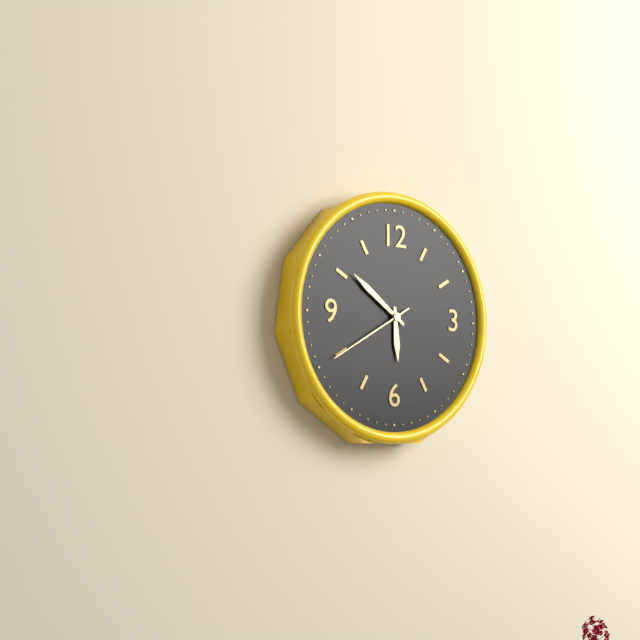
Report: 5:51:40
